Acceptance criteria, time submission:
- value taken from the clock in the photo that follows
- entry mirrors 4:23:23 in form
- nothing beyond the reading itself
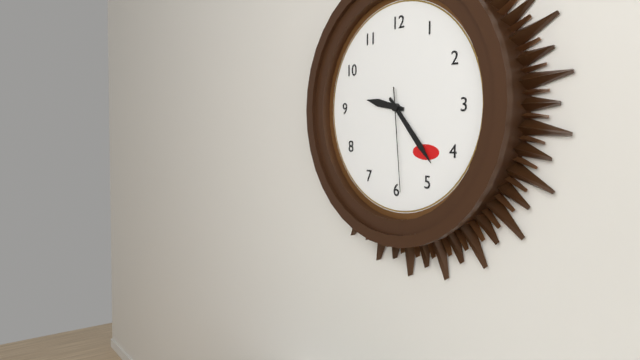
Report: 9:23:29
